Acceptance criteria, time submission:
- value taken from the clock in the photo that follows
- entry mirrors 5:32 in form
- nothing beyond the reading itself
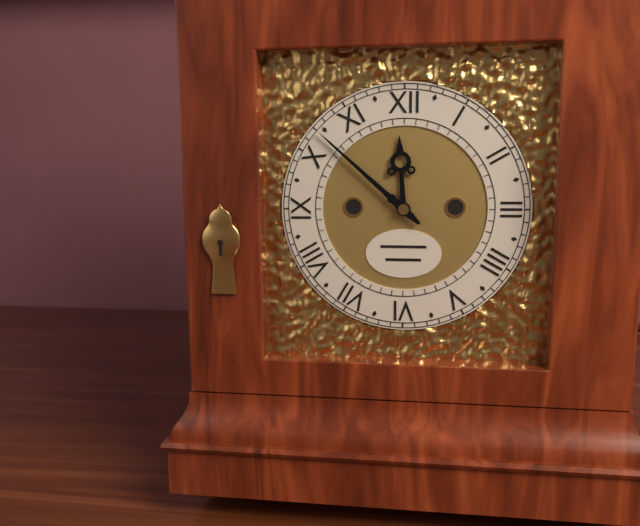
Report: 11:52
